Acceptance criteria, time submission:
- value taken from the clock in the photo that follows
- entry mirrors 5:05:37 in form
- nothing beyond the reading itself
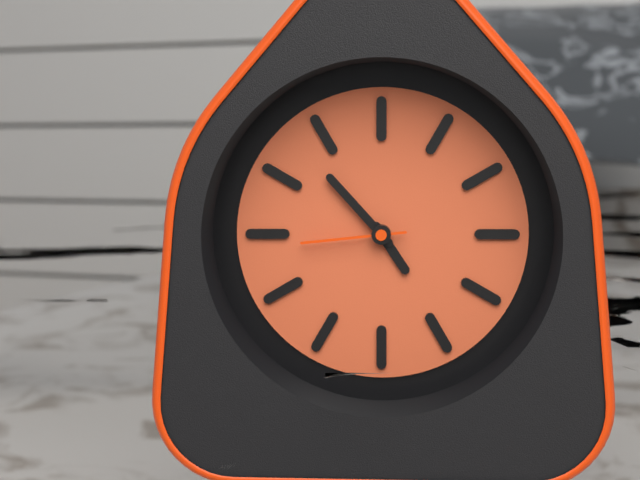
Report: 4:53:44
